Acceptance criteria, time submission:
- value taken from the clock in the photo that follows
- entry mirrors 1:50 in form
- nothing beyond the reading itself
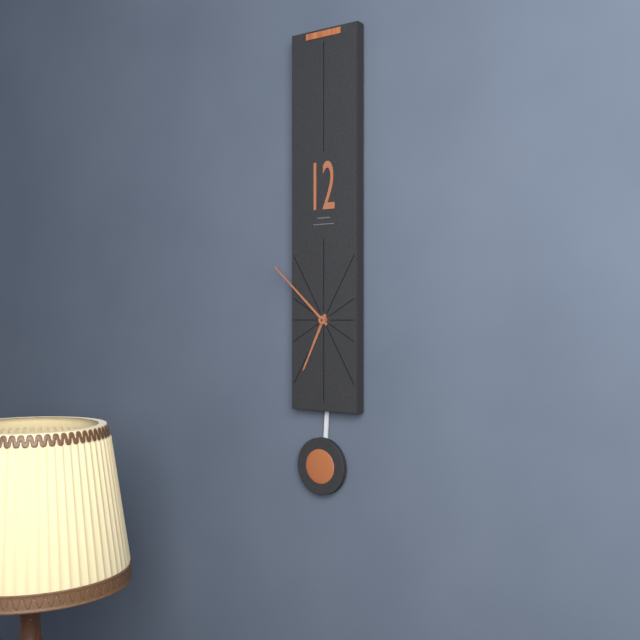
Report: 6:52
